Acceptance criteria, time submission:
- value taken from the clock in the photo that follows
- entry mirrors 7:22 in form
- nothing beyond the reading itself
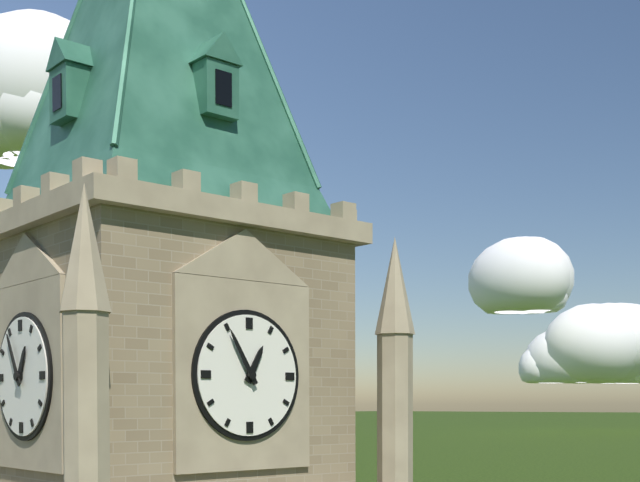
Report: 12:55
